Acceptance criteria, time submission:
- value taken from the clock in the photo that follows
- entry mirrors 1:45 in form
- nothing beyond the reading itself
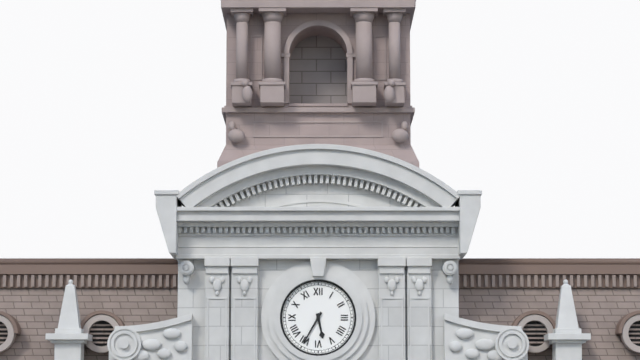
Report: 5:35
